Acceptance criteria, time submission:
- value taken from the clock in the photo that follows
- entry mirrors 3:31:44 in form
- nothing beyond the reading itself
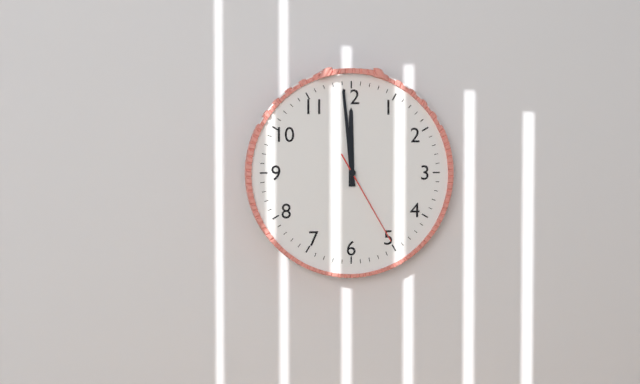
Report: 11:59:25
